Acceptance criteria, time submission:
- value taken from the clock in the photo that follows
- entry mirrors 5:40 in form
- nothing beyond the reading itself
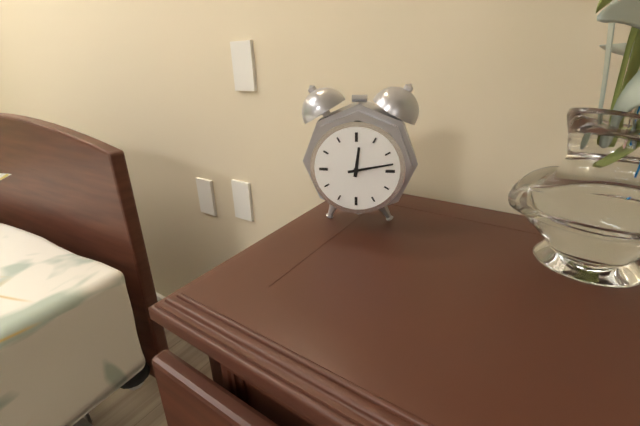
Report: 12:13
